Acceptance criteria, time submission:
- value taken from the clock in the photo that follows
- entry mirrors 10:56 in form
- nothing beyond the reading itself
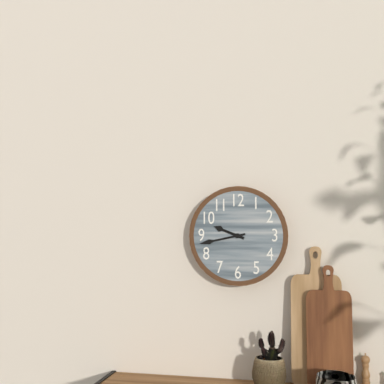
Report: 9:43
